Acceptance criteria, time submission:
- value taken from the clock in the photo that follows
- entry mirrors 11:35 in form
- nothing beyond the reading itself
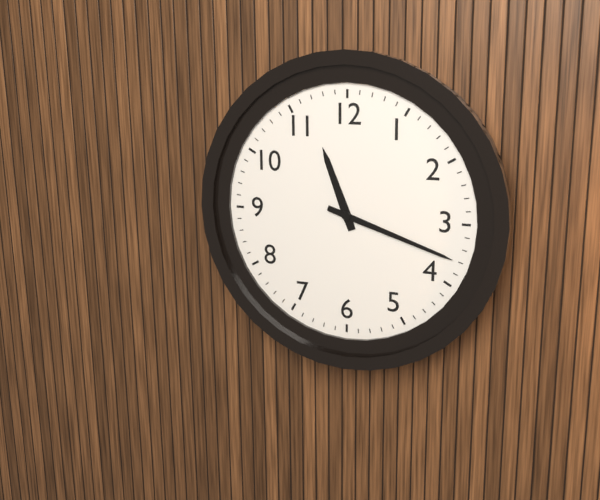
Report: 11:18
